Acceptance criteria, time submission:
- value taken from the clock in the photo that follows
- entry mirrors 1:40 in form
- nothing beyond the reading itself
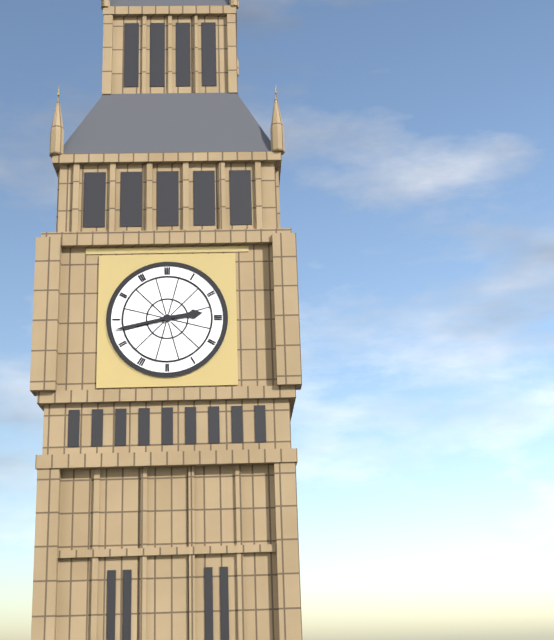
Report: 2:43
